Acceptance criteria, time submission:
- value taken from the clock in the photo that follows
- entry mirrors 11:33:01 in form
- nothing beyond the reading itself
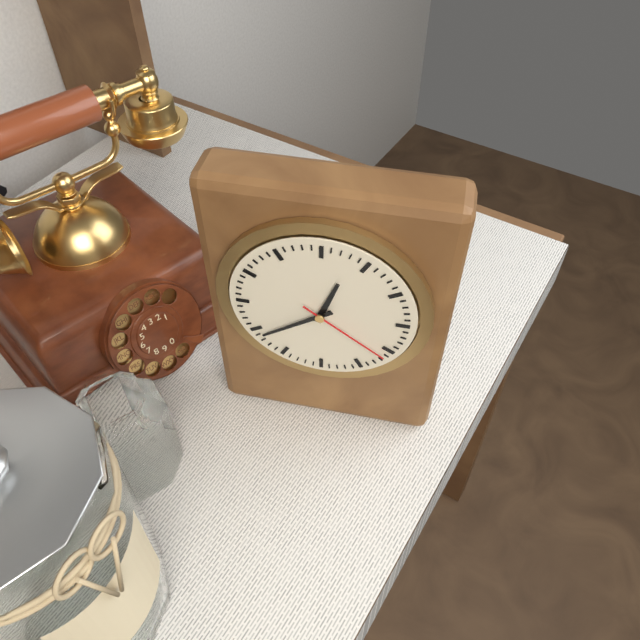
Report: 12:39:21
